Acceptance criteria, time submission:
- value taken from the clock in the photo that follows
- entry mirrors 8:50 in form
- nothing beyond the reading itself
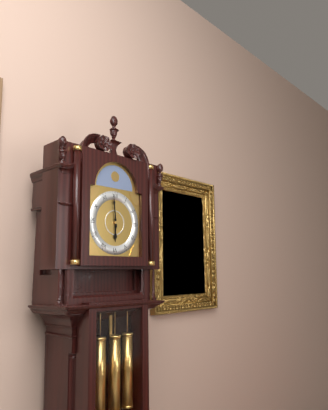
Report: 5:59
